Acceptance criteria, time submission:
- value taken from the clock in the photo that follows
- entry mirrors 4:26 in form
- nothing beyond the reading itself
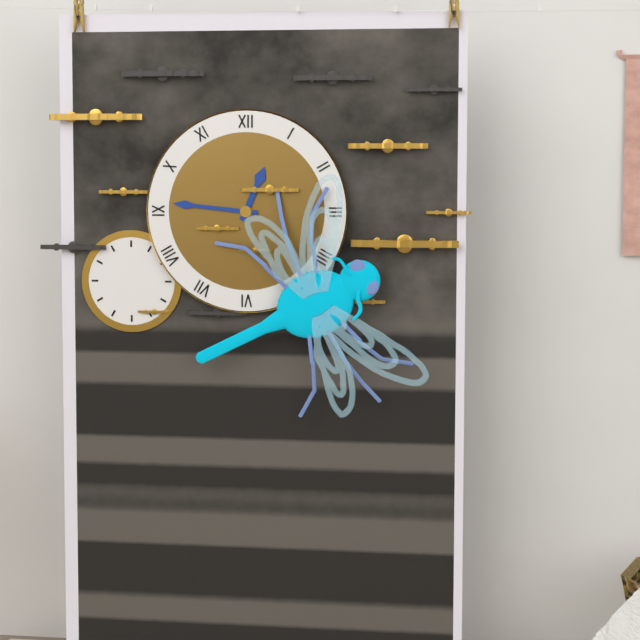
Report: 12:46
